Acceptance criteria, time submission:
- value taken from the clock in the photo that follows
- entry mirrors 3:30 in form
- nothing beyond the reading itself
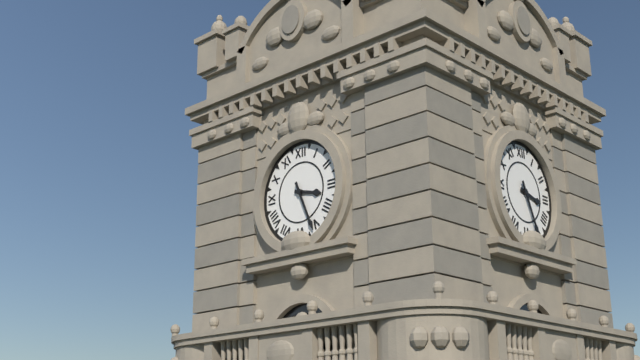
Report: 3:26
